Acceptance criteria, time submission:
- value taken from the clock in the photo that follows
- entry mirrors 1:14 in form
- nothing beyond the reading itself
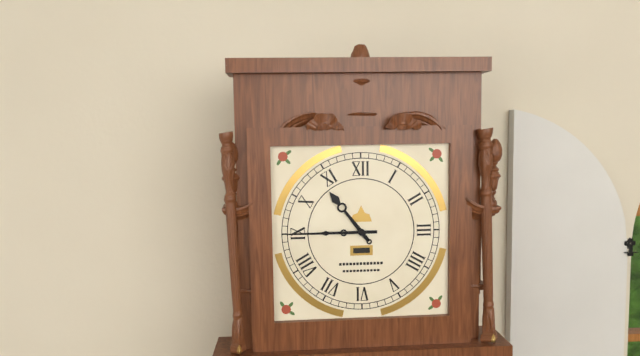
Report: 10:45
